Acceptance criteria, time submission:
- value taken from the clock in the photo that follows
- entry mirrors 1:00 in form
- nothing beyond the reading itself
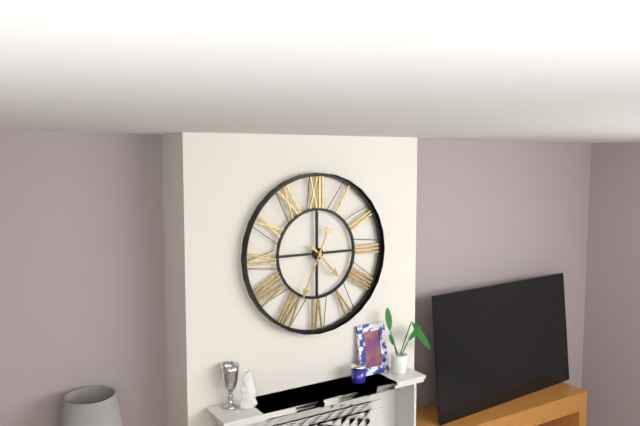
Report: 4:34
